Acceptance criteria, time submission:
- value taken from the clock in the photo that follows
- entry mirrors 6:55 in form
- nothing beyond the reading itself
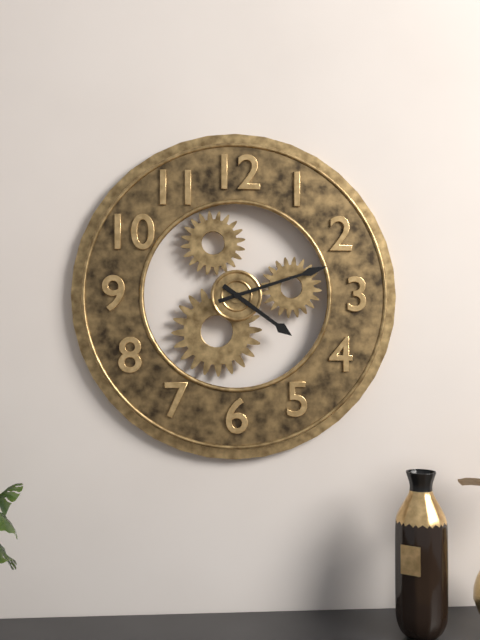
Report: 4:12
